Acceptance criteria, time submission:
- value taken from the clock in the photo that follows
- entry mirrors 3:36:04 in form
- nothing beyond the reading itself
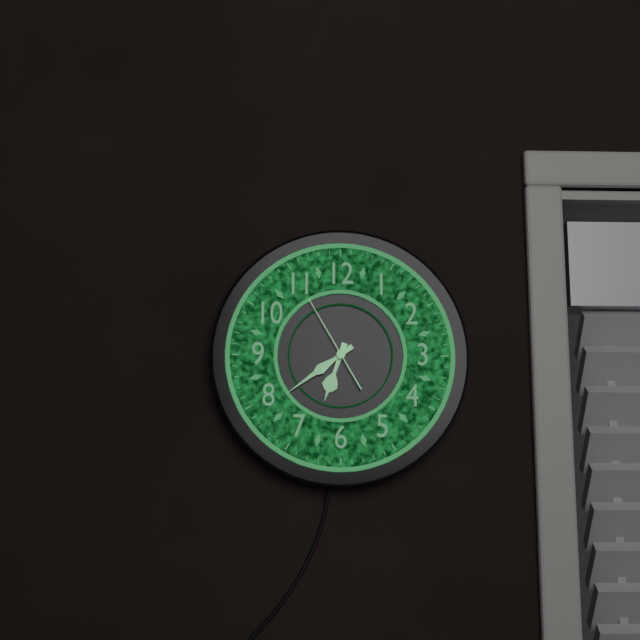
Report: 6:39:55
